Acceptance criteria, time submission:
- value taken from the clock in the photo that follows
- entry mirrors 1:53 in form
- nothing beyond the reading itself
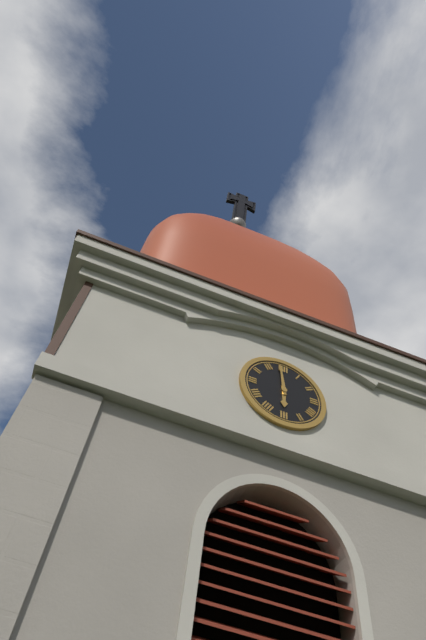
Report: 5:59
